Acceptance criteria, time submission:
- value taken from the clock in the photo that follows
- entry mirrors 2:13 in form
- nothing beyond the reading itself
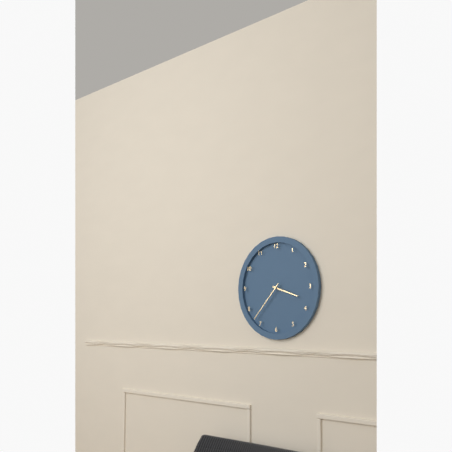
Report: 3:37
